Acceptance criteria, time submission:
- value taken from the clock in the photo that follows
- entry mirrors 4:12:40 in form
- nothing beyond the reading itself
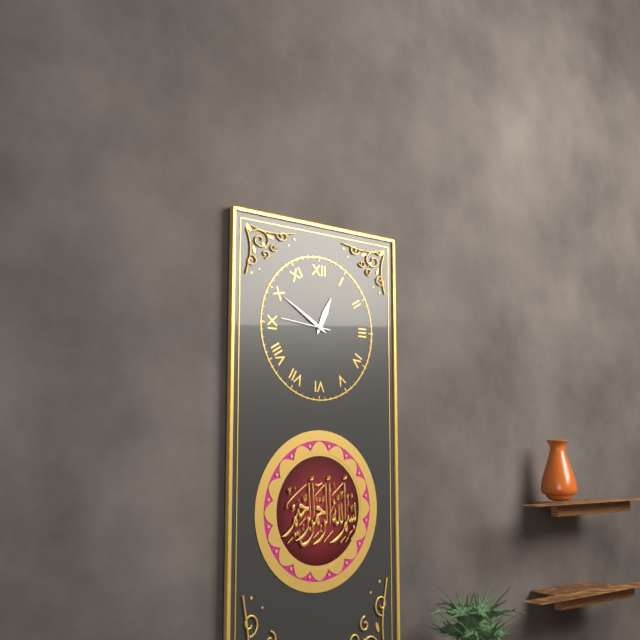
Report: 12:50:46
